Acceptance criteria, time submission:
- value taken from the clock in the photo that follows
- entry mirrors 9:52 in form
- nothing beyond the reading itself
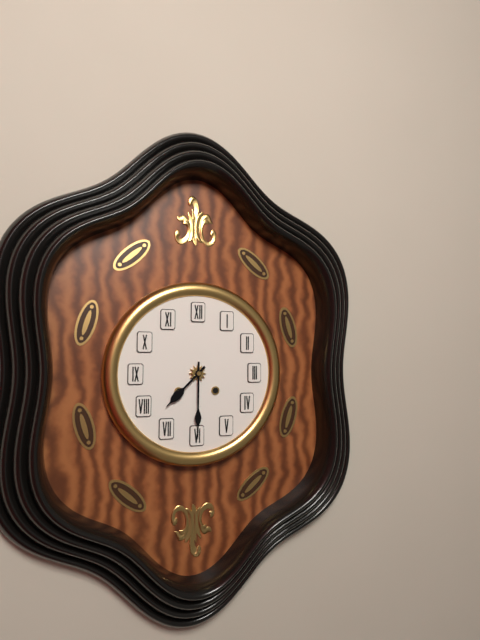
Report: 7:30
